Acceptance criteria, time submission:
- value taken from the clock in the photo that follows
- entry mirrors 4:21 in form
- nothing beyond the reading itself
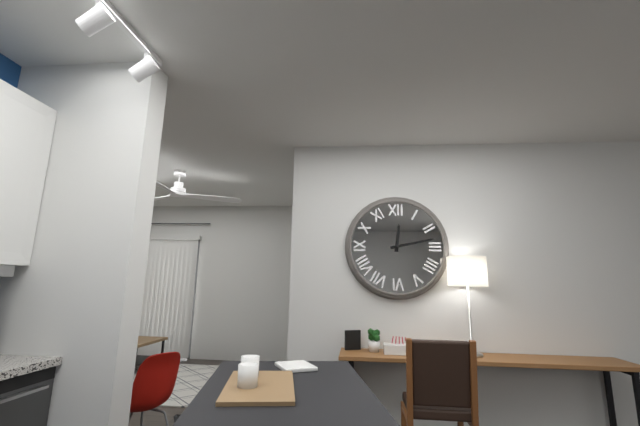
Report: 12:13
